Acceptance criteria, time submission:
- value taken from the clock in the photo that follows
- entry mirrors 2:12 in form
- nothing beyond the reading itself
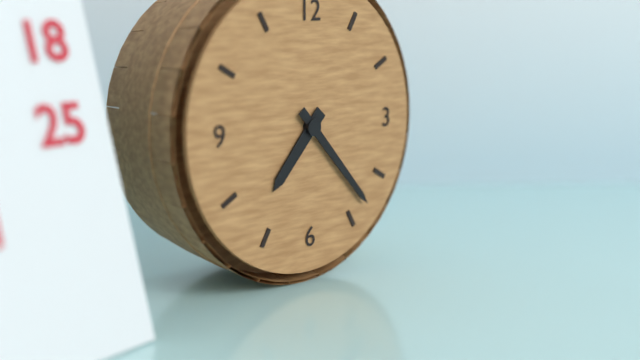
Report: 7:23
